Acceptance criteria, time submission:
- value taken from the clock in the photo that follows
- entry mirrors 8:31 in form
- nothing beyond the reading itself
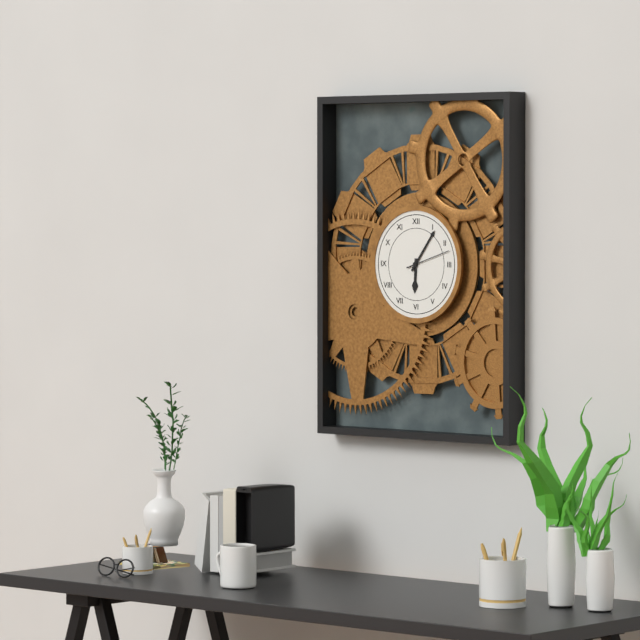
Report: 6:06
